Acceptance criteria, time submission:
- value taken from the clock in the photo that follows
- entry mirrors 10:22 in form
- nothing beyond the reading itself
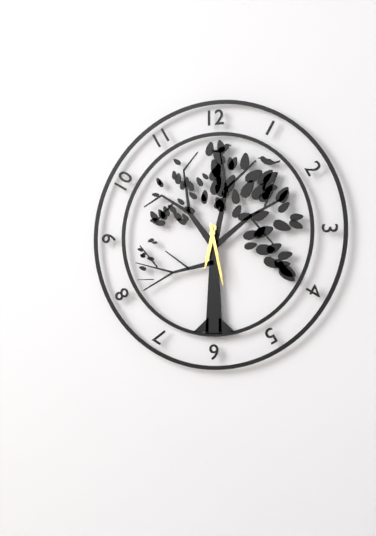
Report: 6:28
